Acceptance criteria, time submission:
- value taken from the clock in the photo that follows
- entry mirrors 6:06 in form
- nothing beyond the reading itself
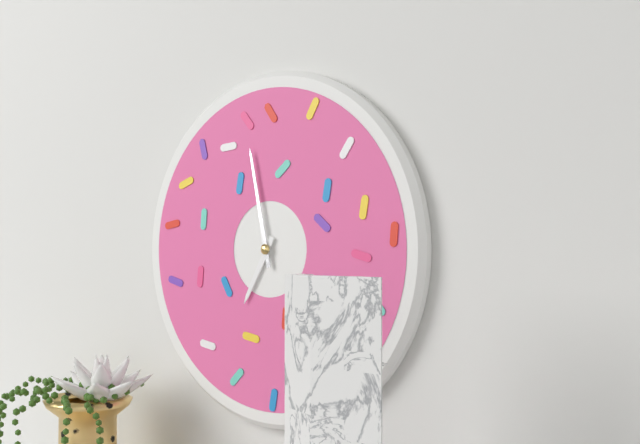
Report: 6:58
